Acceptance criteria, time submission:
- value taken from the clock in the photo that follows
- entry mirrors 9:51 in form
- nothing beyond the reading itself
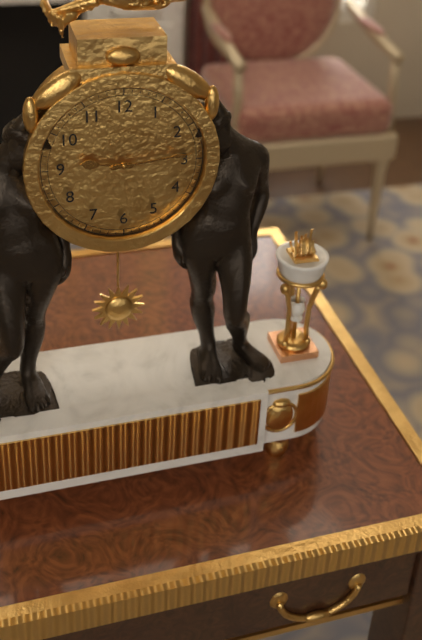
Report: 9:14
